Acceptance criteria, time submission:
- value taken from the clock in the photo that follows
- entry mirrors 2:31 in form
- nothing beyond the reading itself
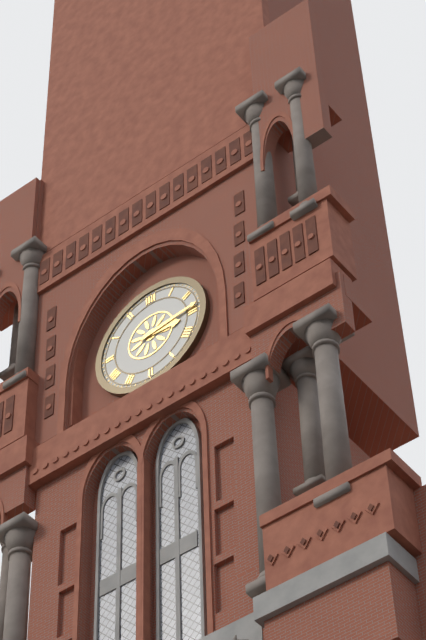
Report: 3:14
